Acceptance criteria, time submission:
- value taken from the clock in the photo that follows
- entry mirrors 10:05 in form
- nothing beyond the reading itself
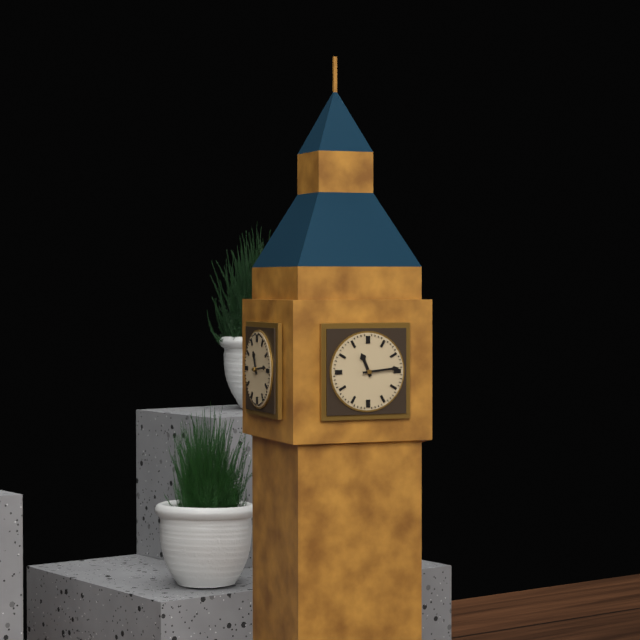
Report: 11:14
